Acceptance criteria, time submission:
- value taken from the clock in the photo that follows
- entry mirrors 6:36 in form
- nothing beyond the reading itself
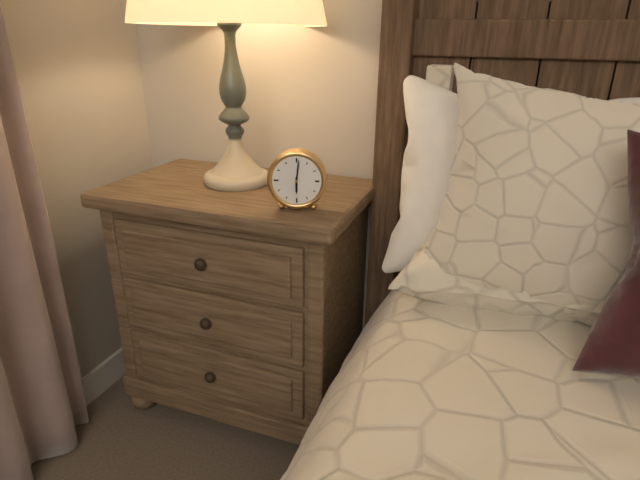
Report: 6:01
